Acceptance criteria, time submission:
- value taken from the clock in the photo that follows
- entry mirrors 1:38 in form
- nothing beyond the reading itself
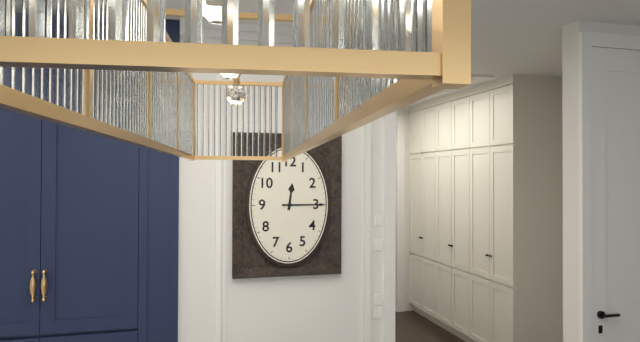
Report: 12:15
